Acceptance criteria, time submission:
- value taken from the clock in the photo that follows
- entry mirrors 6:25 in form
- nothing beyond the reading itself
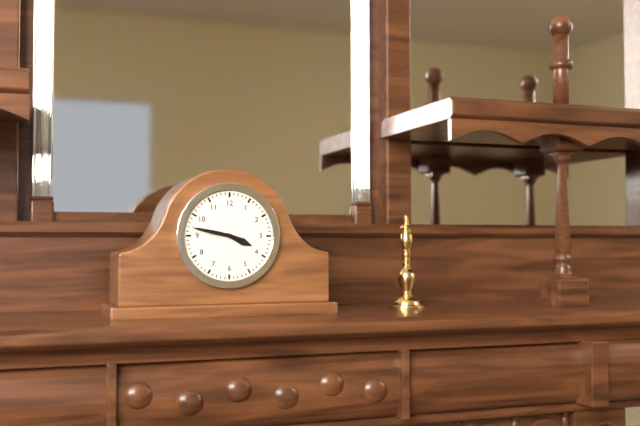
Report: 3:47
